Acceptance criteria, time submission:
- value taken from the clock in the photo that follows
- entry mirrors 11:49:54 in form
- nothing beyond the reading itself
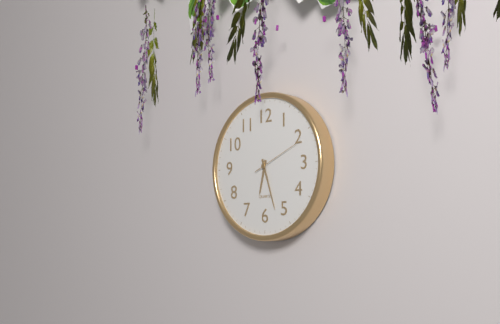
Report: 6:27:11
